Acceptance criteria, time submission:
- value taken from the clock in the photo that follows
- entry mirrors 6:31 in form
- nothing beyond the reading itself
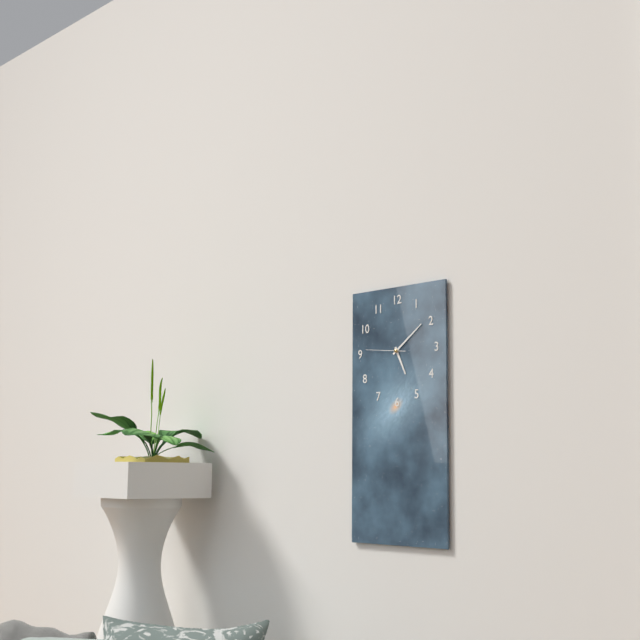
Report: 5:09
